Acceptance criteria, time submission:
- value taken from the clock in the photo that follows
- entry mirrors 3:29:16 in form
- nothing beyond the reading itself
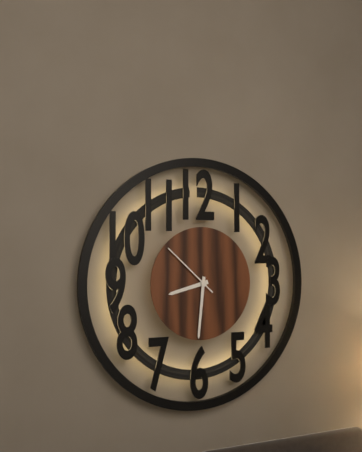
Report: 8:31:52
